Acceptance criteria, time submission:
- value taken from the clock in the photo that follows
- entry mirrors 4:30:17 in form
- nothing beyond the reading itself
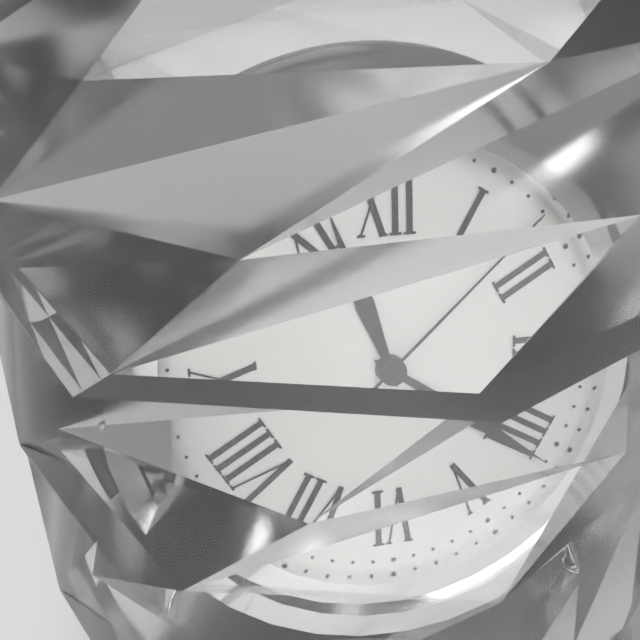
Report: 11:21:08
